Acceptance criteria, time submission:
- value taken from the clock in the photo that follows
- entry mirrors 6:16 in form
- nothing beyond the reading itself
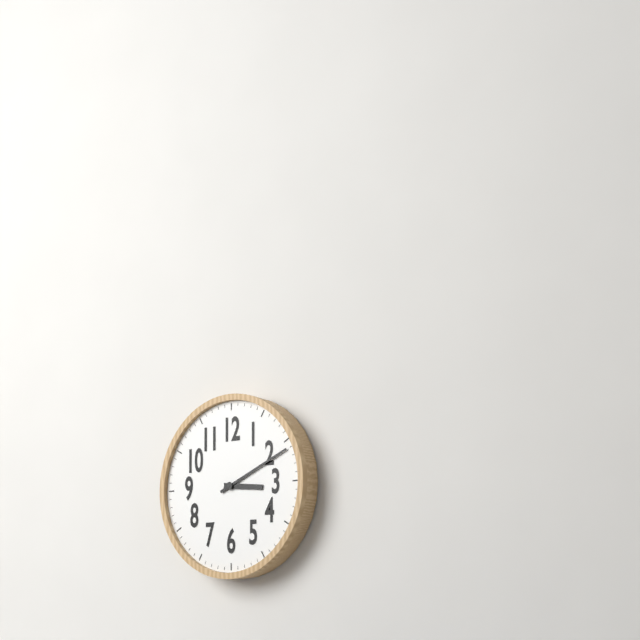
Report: 3:11
